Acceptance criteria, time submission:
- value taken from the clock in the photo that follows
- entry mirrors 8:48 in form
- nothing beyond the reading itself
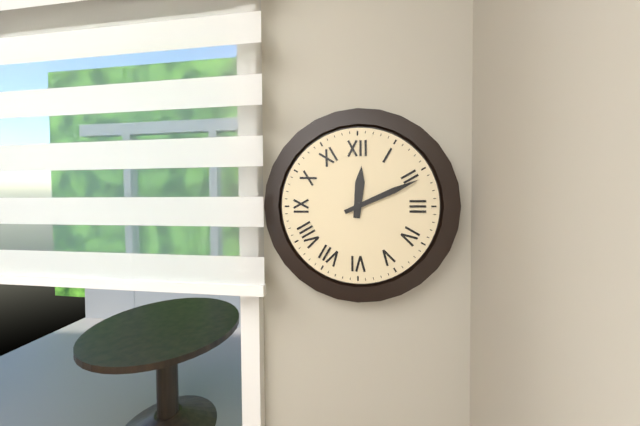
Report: 12:11
